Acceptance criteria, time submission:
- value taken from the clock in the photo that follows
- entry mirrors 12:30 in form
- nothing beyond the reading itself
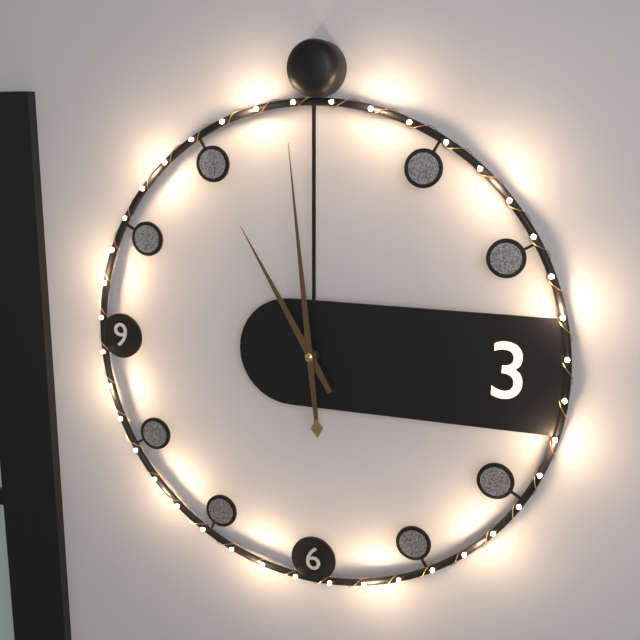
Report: 10:59
